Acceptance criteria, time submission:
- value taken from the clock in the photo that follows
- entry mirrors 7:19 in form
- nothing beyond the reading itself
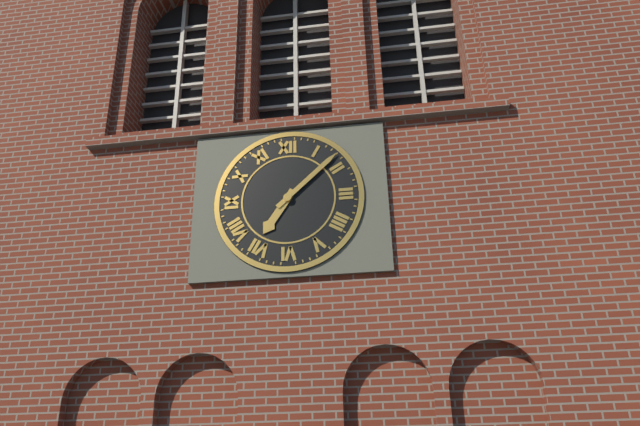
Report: 7:08
